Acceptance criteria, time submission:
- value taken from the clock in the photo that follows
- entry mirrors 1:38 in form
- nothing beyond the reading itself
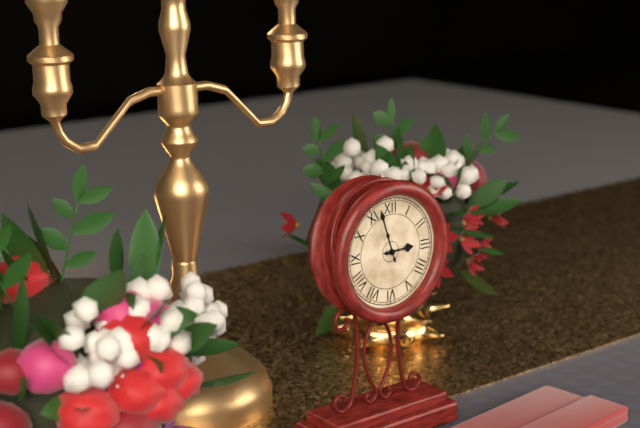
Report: 2:57
